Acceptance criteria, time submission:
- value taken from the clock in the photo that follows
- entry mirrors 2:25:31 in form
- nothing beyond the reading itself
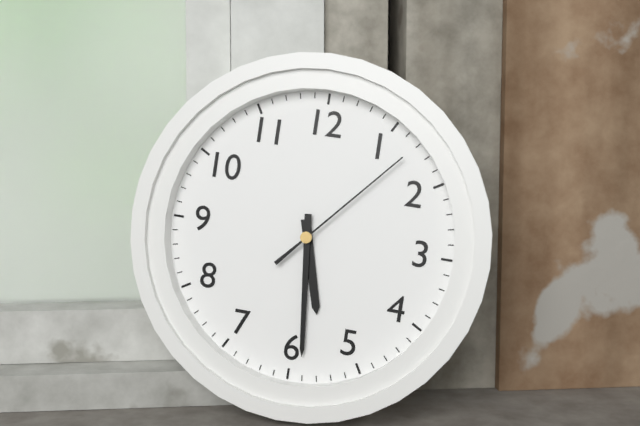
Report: 5:29:07
